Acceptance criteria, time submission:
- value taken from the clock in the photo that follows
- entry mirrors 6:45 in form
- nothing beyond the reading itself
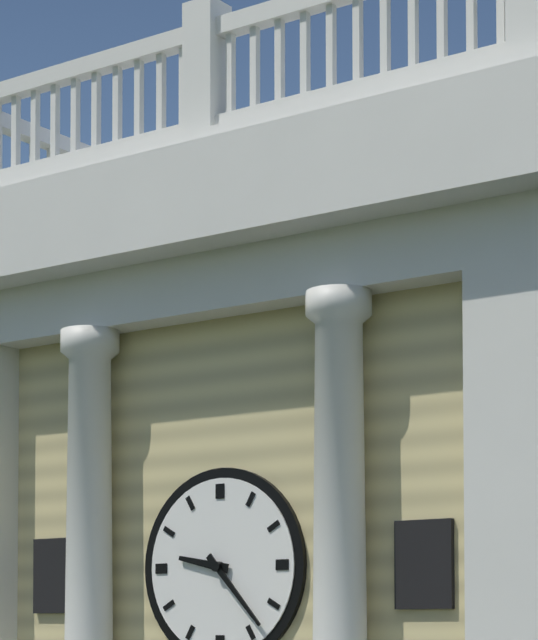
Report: 9:23
